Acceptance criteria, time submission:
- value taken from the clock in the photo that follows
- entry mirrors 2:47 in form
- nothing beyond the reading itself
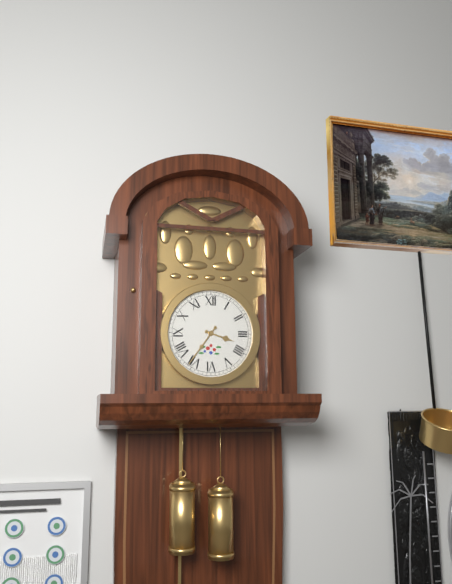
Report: 3:36
